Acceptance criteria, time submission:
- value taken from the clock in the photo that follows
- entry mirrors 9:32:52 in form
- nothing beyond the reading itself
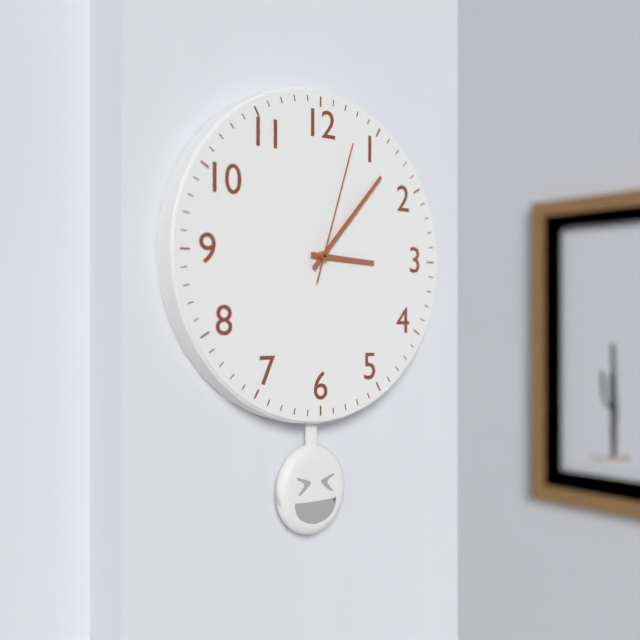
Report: 3:07:03
